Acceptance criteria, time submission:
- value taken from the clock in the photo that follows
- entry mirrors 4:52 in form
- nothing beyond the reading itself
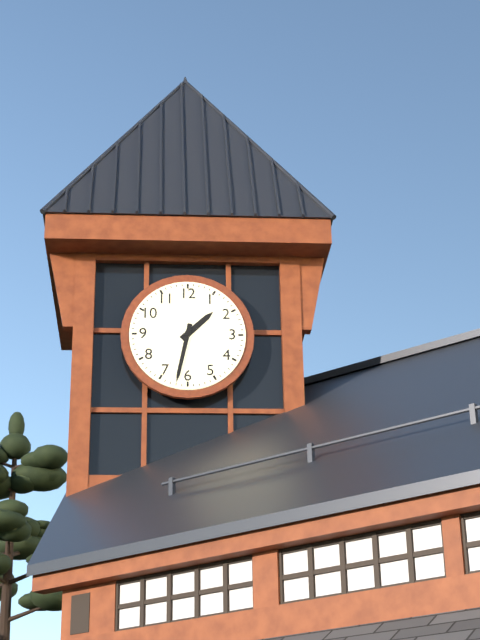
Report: 1:32
